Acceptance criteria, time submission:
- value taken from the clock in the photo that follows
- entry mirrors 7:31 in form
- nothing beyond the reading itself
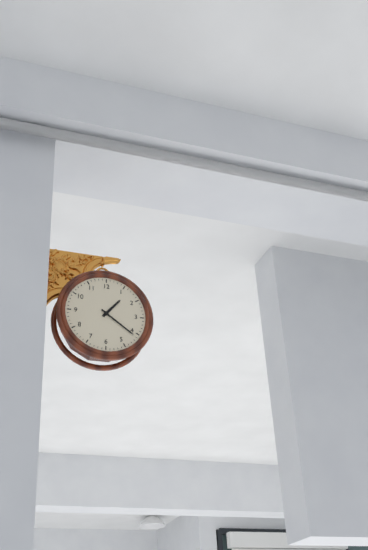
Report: 1:21
